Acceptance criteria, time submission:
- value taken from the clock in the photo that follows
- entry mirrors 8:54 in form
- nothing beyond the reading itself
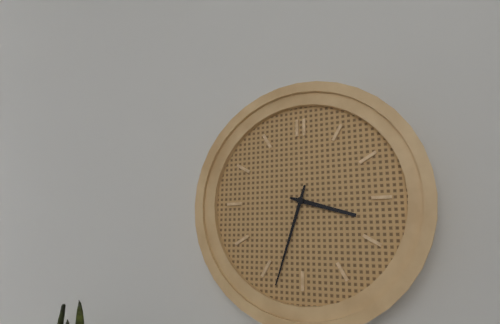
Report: 3:33
